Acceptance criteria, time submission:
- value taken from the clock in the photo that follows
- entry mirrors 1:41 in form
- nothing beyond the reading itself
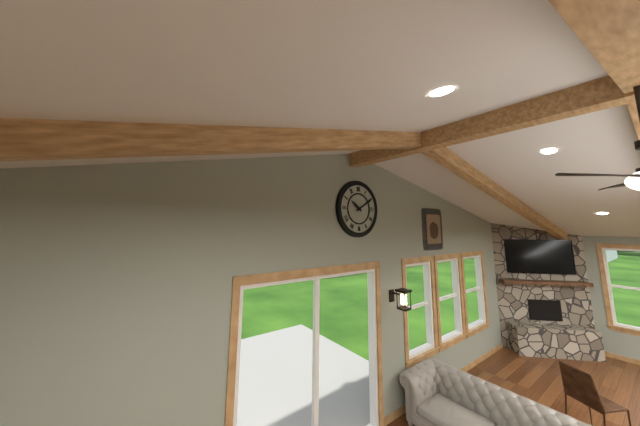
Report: 10:10
